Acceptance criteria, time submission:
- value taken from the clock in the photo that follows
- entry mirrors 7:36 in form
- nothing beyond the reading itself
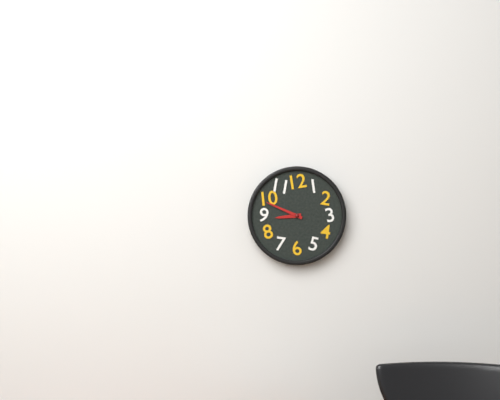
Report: 8:49
